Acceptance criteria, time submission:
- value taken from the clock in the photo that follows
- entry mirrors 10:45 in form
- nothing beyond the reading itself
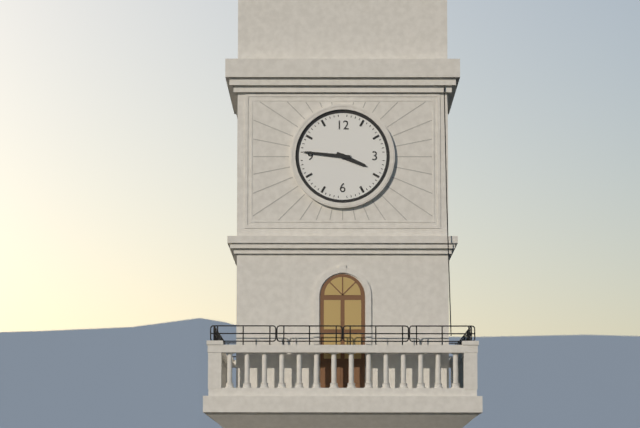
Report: 3:46
